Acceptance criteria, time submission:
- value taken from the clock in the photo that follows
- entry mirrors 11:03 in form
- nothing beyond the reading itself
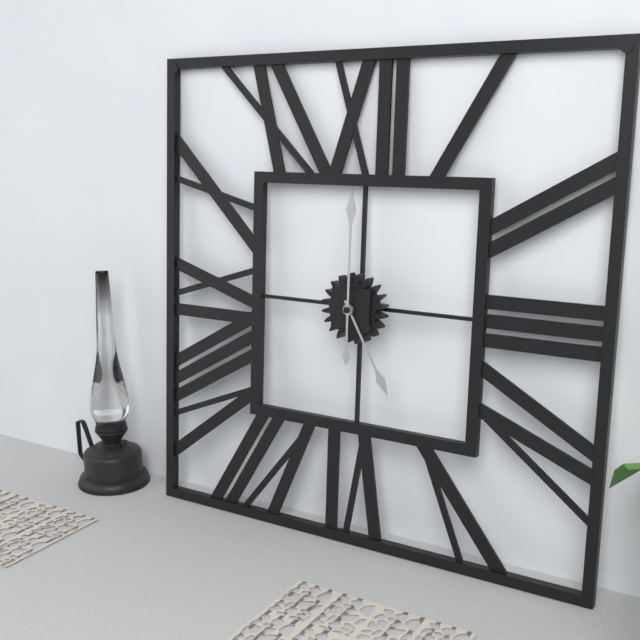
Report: 5:00
